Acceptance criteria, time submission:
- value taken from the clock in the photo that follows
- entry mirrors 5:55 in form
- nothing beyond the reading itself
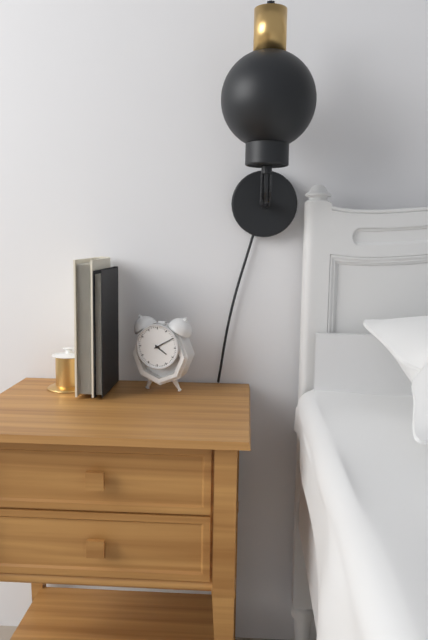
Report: 4:10
